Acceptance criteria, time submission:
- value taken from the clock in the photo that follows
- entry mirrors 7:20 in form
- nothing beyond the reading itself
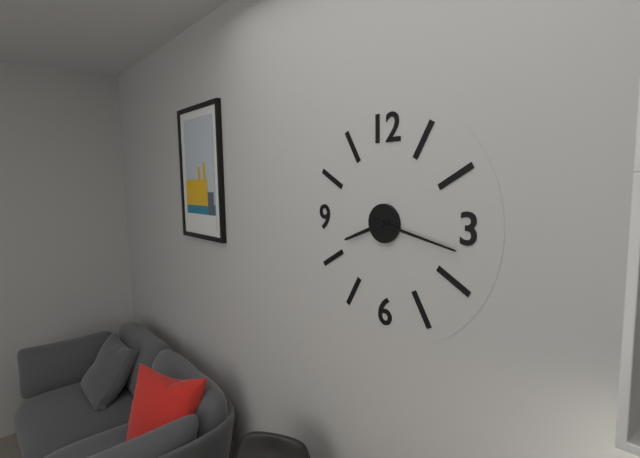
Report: 8:17
